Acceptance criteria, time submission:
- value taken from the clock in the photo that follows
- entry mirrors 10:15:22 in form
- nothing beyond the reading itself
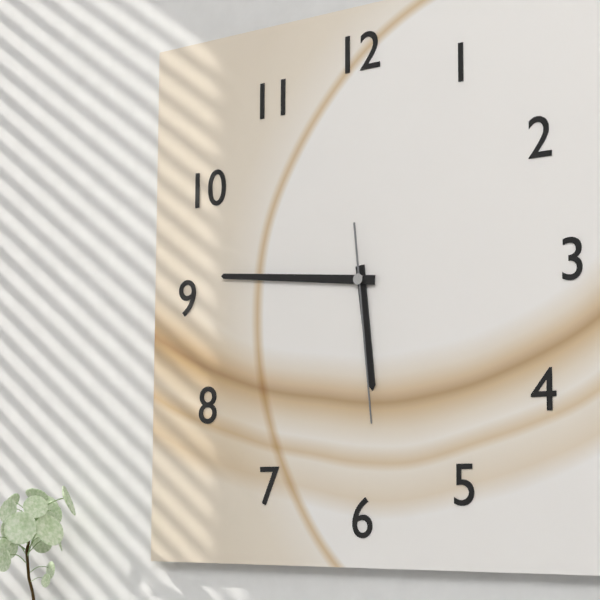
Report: 5:46:29
